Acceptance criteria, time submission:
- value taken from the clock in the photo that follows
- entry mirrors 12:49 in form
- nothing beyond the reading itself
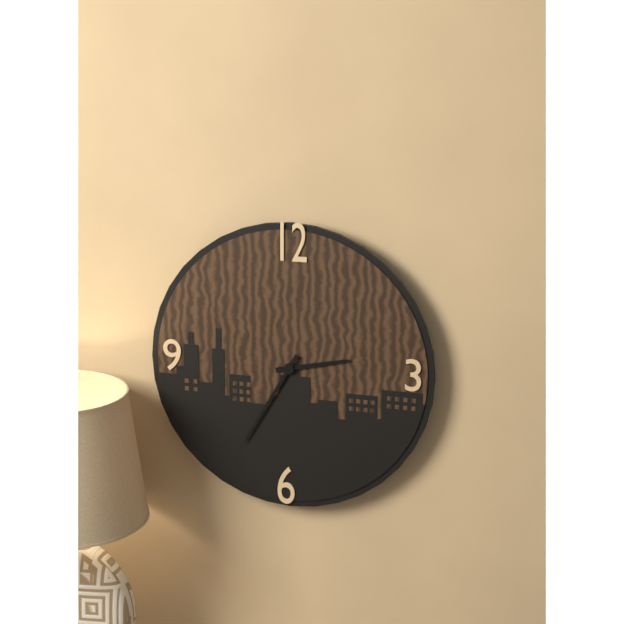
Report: 2:35
